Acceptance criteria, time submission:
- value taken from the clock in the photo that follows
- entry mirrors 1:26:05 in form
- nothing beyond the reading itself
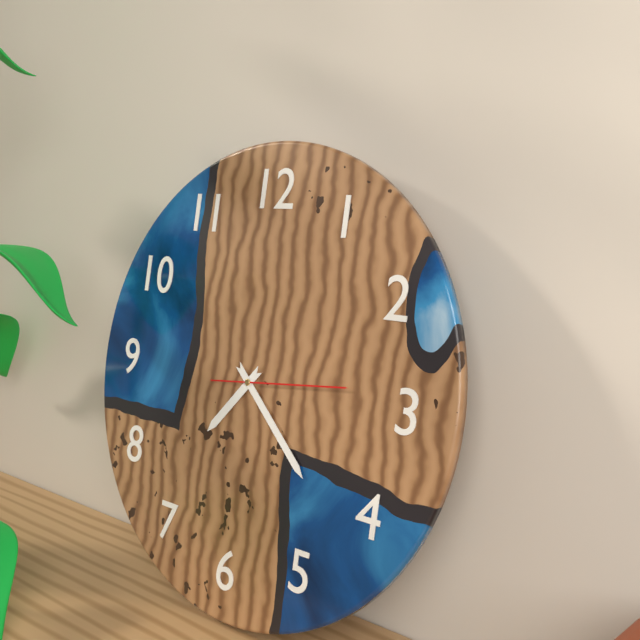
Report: 7:22:14
